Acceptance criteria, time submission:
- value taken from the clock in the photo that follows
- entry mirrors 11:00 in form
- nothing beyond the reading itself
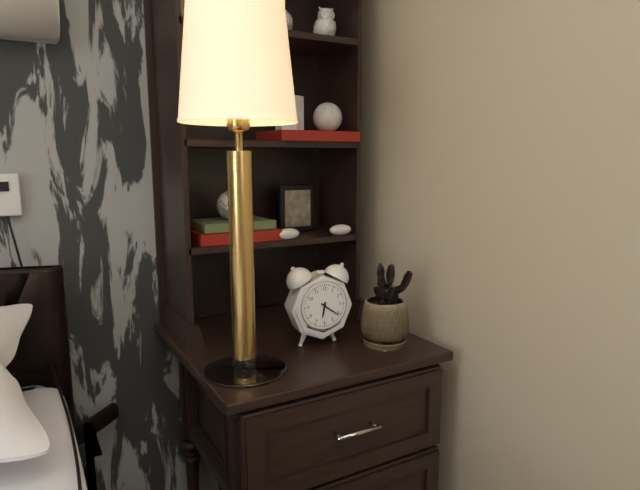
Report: 6:21
